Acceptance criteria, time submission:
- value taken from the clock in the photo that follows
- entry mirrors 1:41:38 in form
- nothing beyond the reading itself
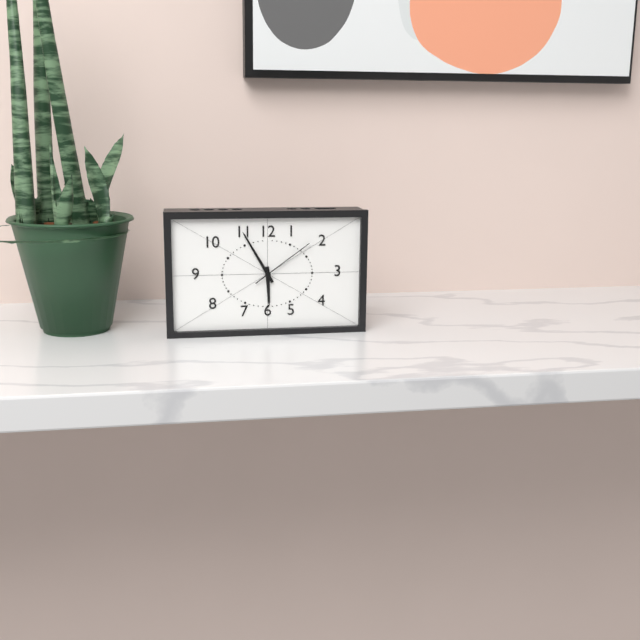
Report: 5:55:09
